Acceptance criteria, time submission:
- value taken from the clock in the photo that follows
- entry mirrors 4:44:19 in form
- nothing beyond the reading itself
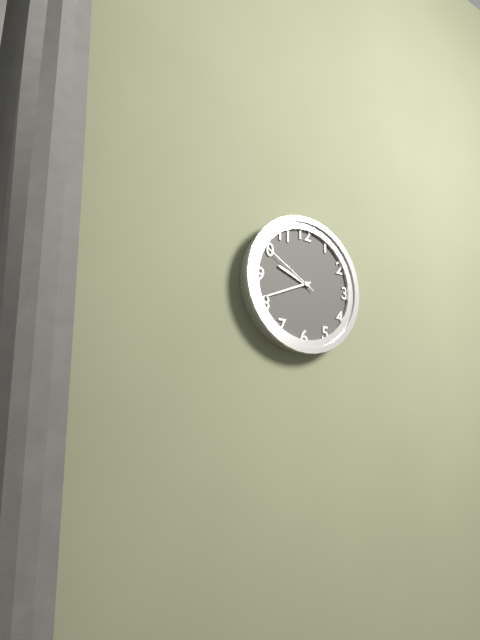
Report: 9:41:50
